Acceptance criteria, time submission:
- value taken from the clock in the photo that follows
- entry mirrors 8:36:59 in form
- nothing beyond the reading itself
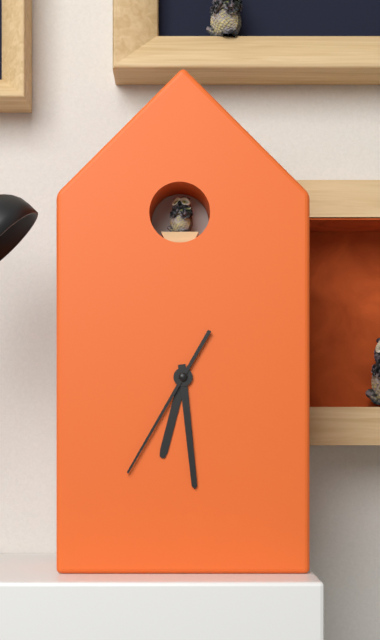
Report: 6:29:35
